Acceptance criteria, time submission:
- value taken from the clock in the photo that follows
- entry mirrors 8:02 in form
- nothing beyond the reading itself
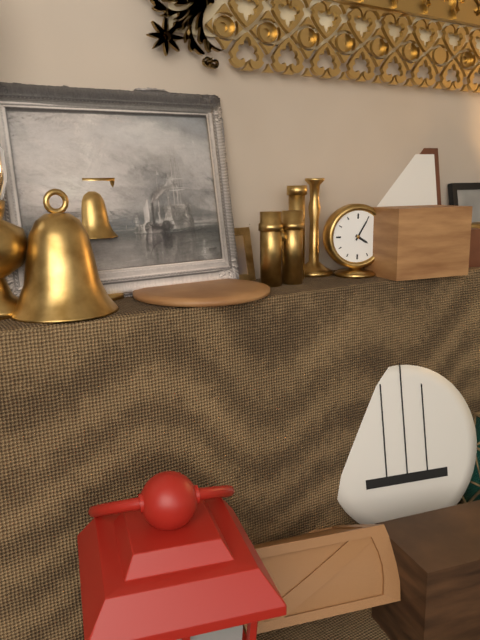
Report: 4:05
